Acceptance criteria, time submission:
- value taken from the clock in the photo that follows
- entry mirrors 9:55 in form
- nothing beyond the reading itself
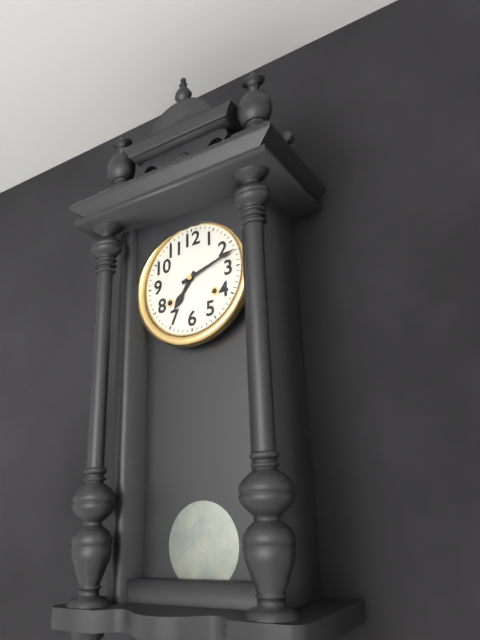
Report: 7:12
